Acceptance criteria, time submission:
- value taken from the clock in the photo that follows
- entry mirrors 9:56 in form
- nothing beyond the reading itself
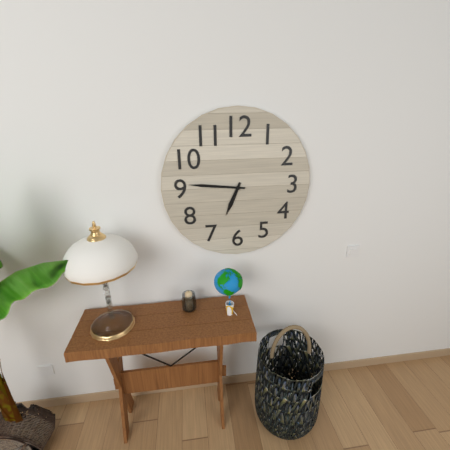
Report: 6:46
